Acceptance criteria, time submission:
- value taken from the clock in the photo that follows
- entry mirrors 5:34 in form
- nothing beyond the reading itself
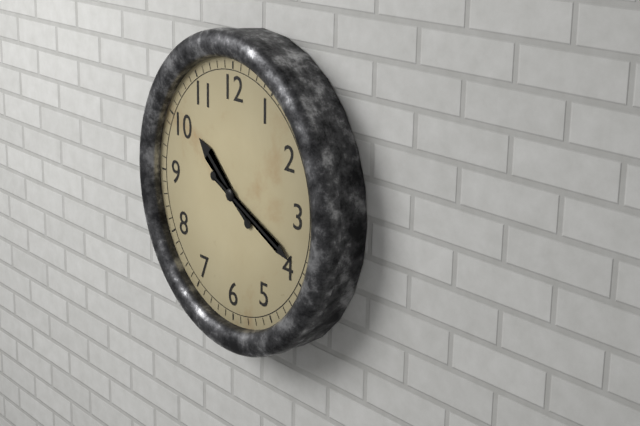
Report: 10:19
